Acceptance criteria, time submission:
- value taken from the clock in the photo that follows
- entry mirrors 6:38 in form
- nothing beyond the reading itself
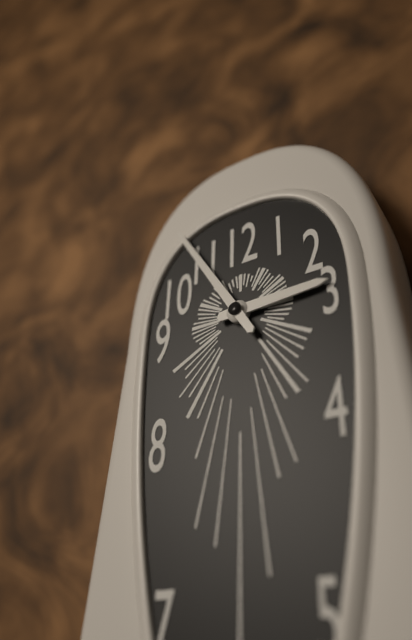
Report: 2:55
